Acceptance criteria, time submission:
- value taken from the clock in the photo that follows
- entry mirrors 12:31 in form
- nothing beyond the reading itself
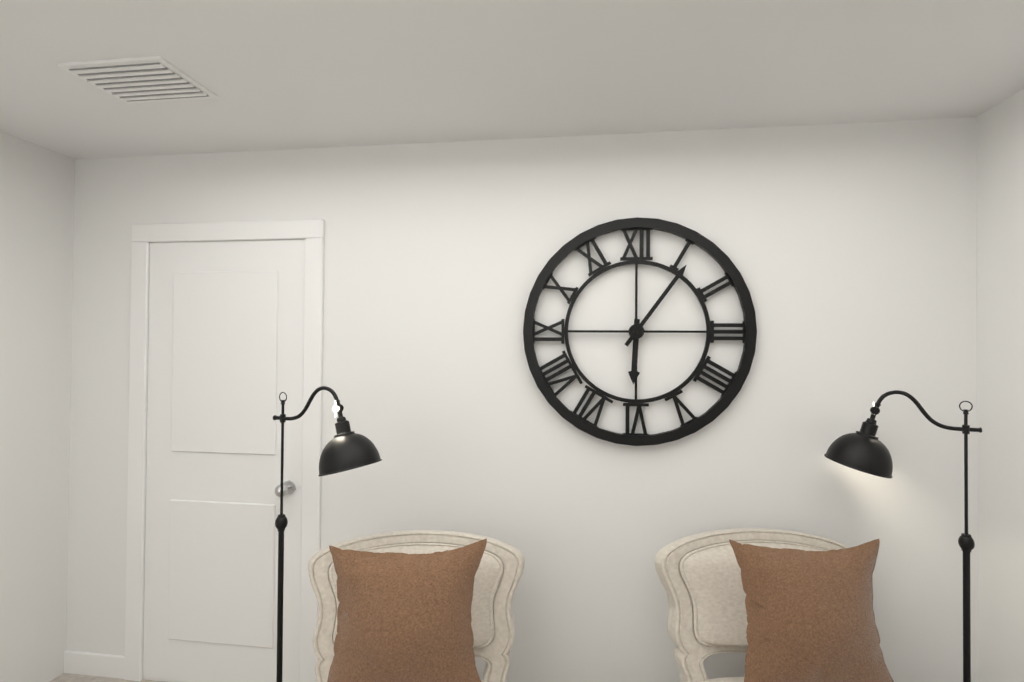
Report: 6:06
